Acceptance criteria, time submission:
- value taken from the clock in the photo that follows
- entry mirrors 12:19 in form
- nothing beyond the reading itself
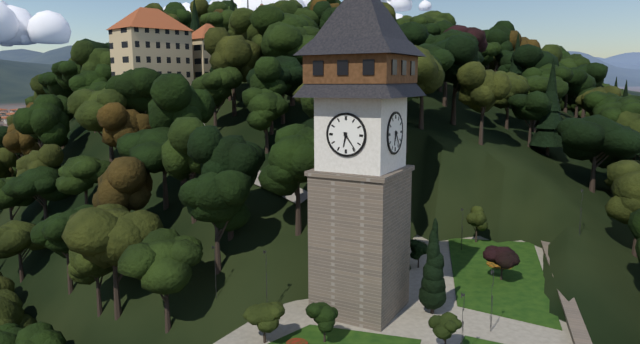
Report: 6:24
